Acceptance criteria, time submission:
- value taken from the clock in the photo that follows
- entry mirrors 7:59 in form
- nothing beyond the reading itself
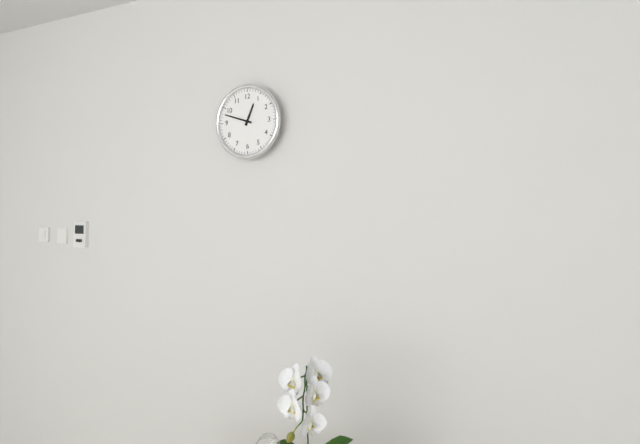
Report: 12:48
